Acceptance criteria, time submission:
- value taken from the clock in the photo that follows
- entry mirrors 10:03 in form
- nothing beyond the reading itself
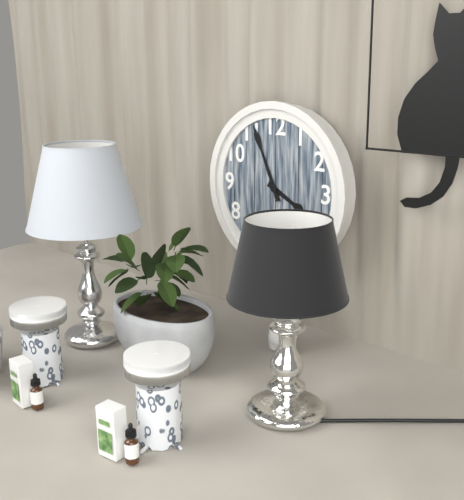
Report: 3:56
